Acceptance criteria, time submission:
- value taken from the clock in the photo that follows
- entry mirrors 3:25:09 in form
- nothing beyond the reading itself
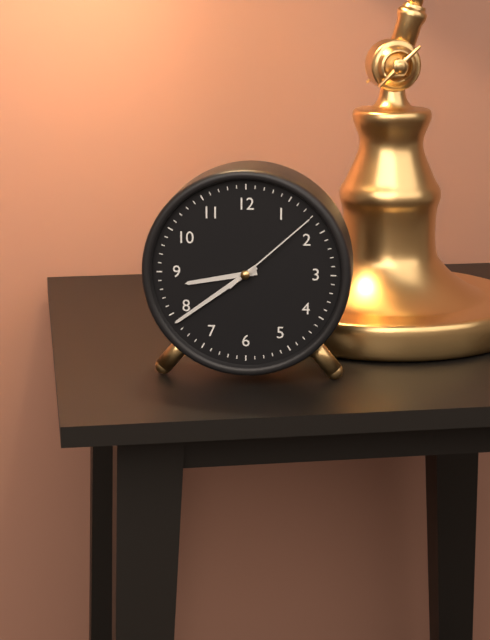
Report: 8:39:08
